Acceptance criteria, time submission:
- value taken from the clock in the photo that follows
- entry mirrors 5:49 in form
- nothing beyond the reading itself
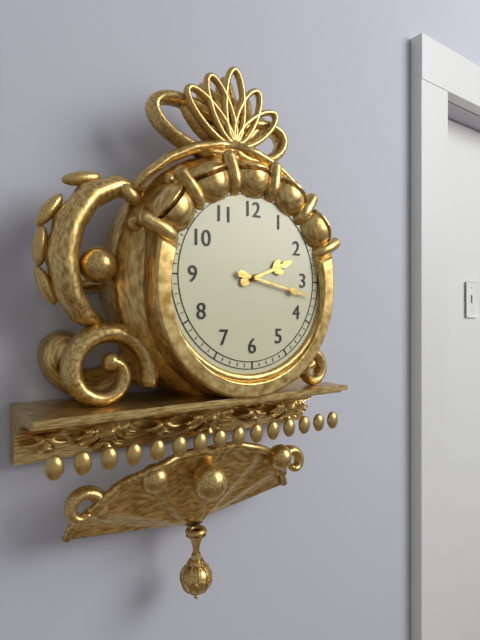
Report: 2:17
